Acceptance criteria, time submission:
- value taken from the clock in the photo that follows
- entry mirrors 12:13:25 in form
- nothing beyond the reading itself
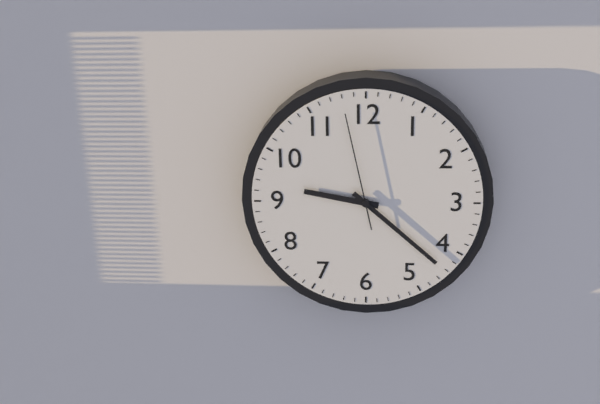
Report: 9:22:58
